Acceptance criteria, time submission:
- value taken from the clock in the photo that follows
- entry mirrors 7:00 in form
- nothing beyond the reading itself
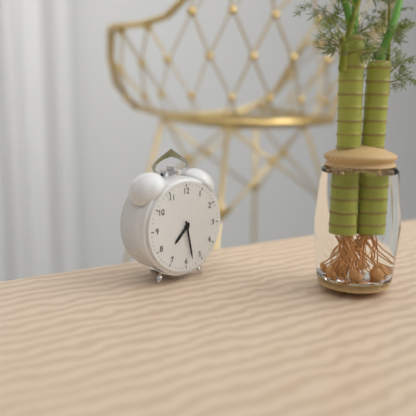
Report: 7:28
